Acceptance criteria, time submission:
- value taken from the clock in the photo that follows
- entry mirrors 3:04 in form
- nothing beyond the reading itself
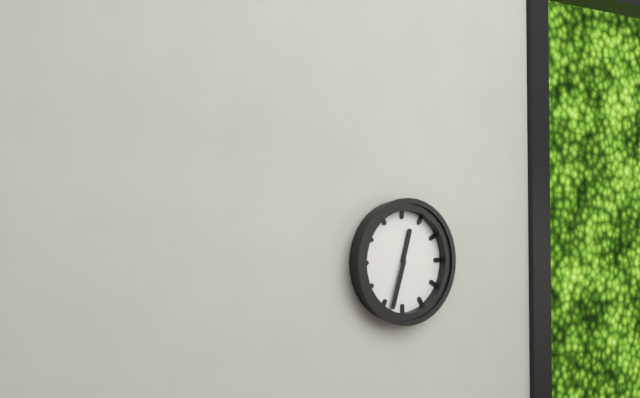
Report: 12:33
